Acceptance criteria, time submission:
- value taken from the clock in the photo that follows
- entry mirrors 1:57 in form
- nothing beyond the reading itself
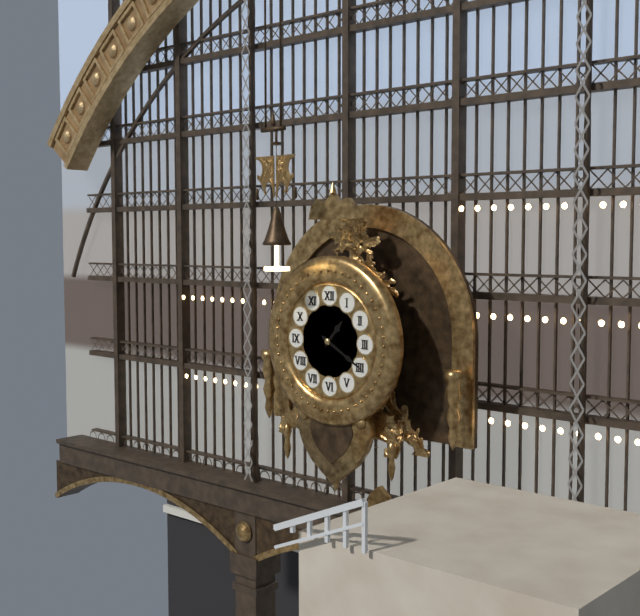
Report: 1:20
